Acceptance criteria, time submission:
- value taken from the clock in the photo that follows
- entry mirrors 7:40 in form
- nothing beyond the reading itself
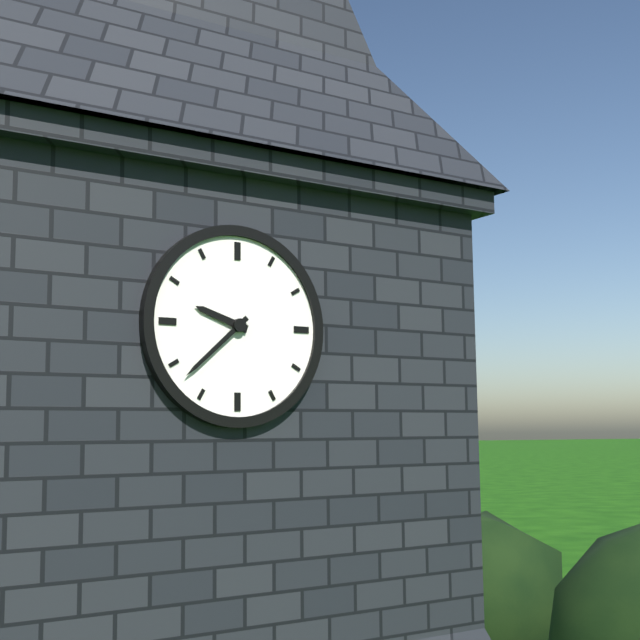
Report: 9:38
